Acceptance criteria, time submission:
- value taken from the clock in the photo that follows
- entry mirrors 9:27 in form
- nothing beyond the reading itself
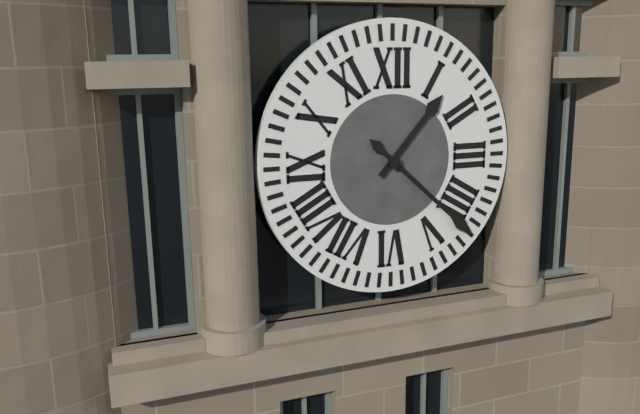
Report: 1:22
